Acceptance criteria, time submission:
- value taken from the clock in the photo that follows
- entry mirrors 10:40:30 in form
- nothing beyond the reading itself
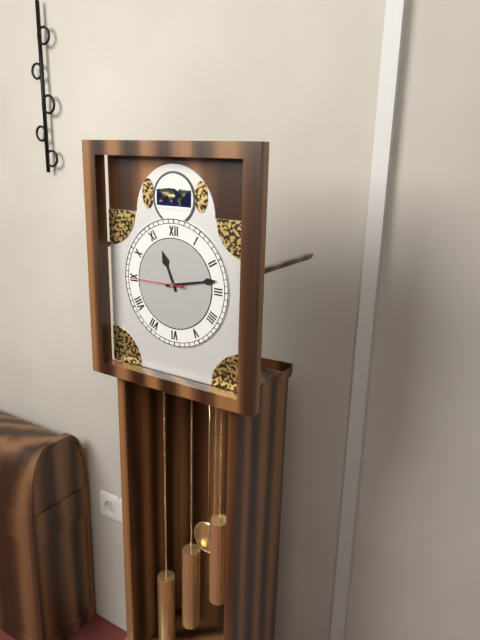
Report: 11:13:45
